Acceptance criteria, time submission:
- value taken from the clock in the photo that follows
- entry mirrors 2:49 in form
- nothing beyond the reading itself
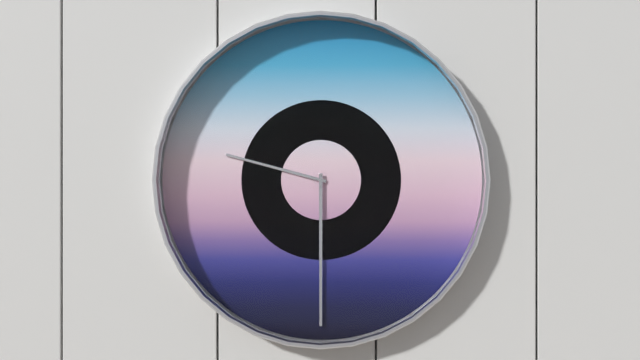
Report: 9:30
